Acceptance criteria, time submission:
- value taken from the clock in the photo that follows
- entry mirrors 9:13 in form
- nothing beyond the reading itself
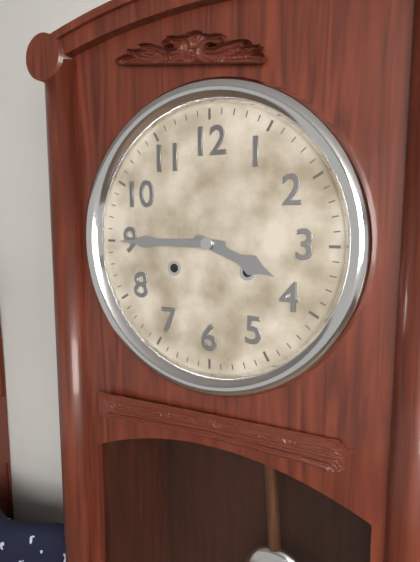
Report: 3:45
